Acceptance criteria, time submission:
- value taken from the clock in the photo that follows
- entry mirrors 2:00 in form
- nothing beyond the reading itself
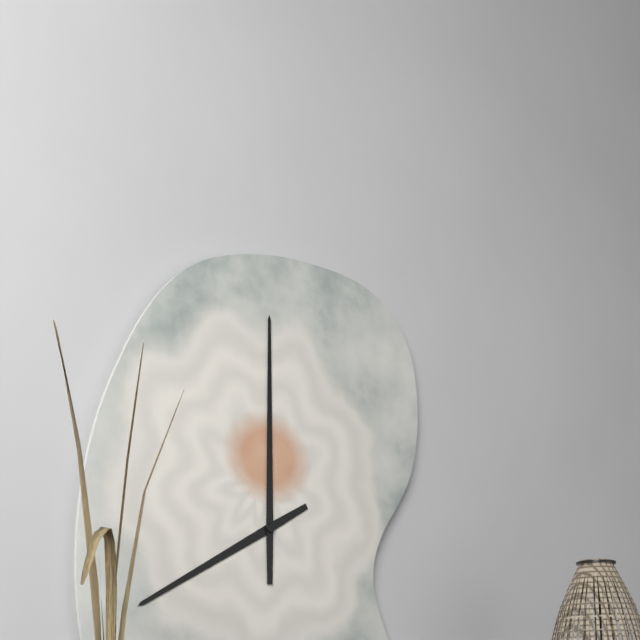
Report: 8:00
